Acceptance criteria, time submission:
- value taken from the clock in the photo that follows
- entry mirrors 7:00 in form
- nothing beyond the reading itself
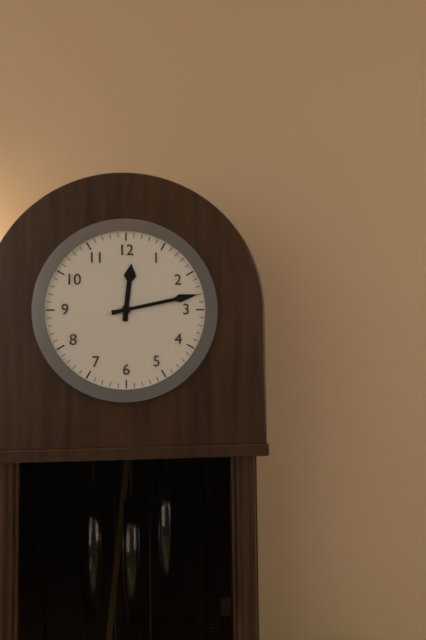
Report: 12:13
